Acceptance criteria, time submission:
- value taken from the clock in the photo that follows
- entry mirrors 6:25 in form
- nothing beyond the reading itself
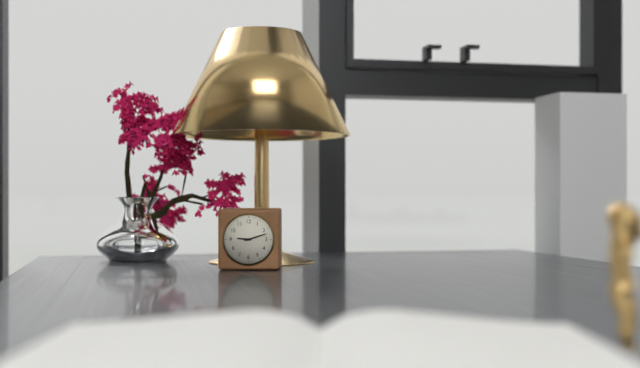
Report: 9:12
